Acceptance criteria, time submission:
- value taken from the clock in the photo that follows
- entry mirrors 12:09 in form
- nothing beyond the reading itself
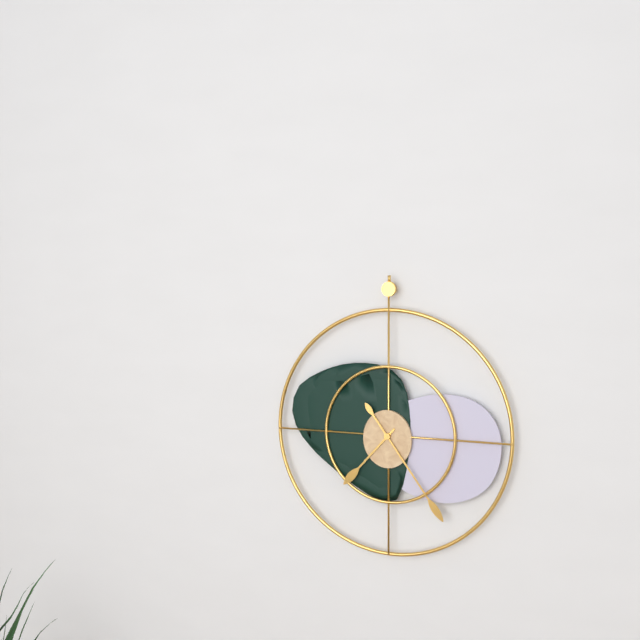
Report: 7:24
